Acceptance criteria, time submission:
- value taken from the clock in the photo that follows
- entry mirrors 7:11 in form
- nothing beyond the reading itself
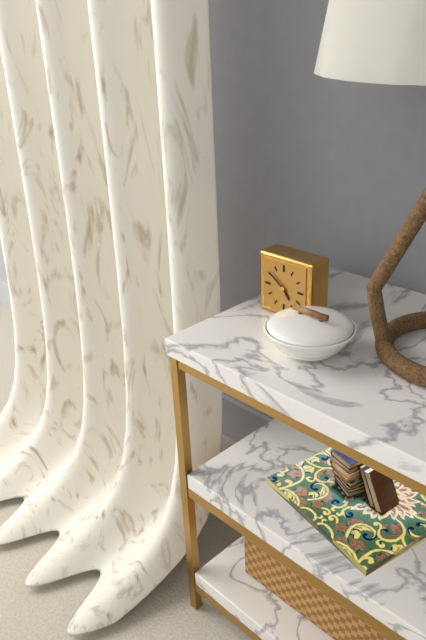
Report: 4:51
